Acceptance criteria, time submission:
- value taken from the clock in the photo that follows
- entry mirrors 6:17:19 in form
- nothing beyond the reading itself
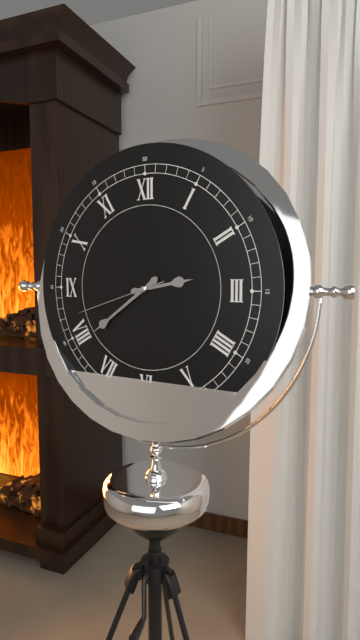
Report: 2:39:42
